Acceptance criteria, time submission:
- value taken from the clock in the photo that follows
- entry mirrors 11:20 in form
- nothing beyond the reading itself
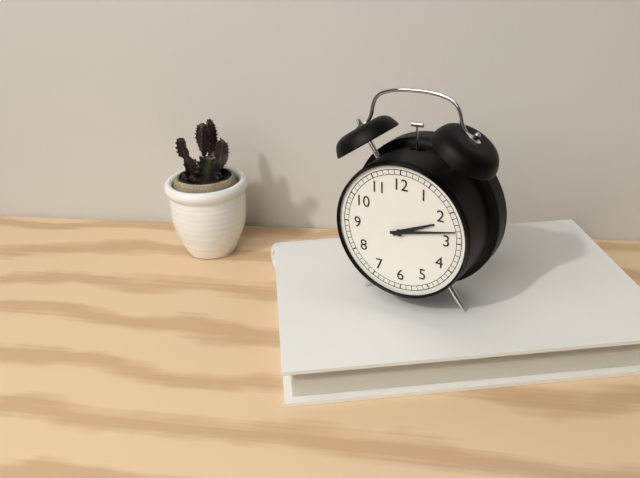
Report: 2:13
